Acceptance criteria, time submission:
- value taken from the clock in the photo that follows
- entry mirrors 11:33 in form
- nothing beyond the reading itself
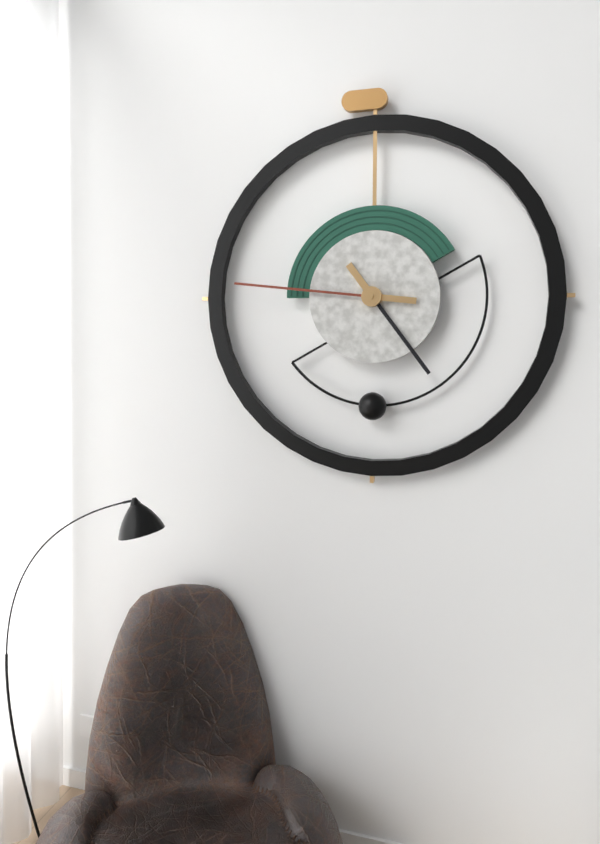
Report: 4:46
